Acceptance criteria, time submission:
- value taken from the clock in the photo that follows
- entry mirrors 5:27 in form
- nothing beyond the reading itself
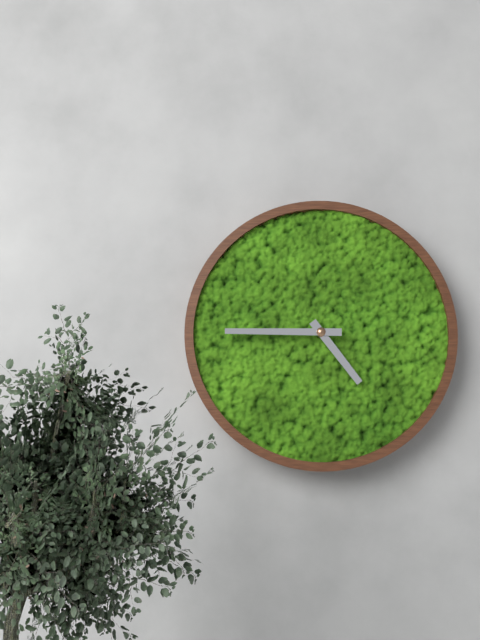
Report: 4:45
